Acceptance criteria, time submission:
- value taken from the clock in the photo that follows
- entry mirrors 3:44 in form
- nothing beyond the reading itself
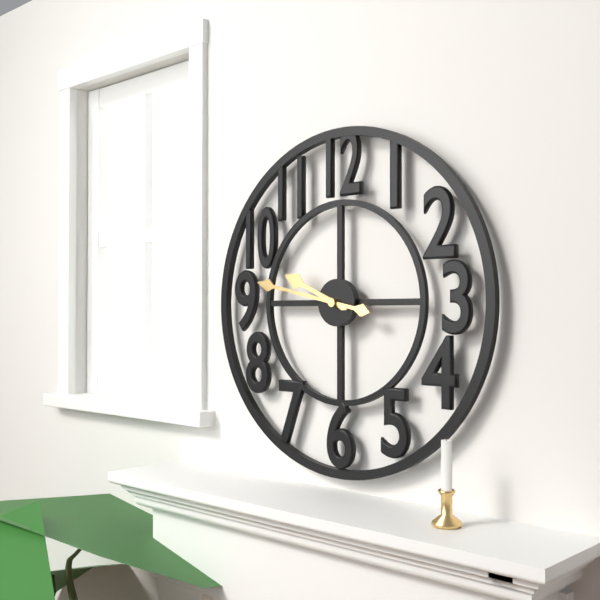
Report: 9:47
